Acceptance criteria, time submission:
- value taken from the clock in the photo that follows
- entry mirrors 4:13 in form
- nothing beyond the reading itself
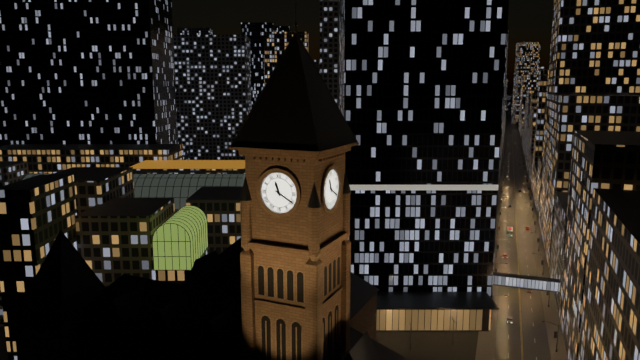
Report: 11:20
